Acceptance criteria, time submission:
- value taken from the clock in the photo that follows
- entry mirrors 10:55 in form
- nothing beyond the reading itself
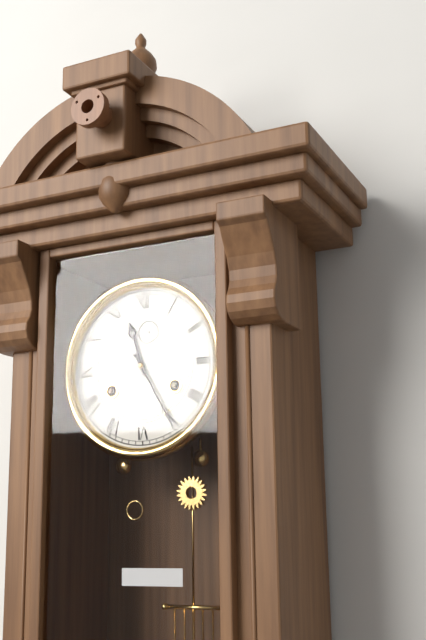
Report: 11:25
